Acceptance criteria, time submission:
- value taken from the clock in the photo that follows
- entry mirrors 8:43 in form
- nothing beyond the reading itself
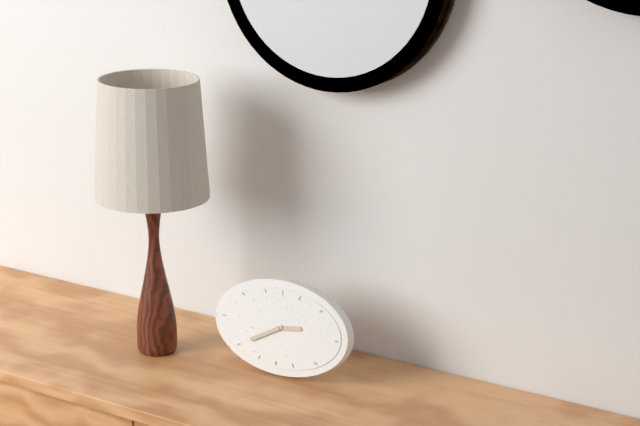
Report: 2:40
